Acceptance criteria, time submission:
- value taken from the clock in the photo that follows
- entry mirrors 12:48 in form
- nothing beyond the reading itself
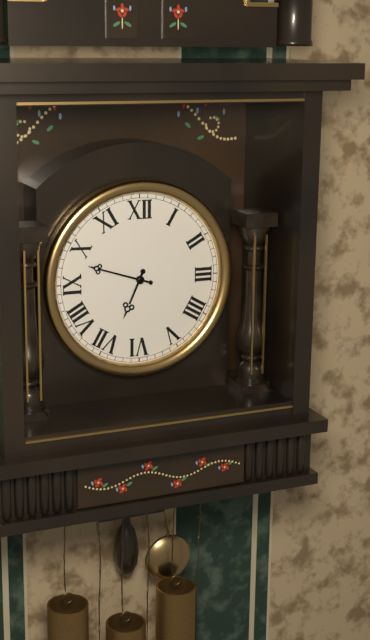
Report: 6:48
